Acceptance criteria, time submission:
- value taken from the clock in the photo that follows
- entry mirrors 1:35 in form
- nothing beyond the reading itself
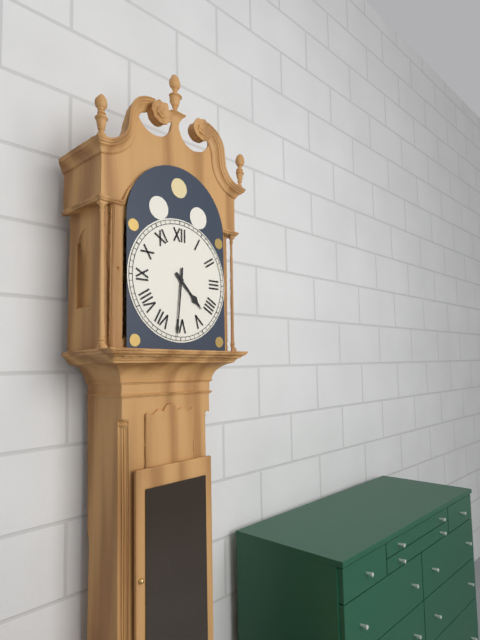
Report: 4:31
